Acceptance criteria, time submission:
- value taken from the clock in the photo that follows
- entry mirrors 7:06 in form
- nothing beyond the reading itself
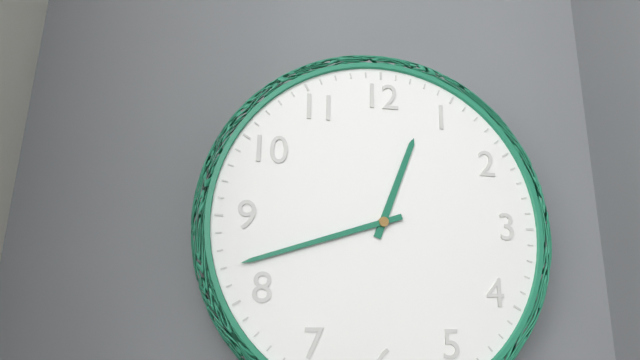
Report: 12:42
